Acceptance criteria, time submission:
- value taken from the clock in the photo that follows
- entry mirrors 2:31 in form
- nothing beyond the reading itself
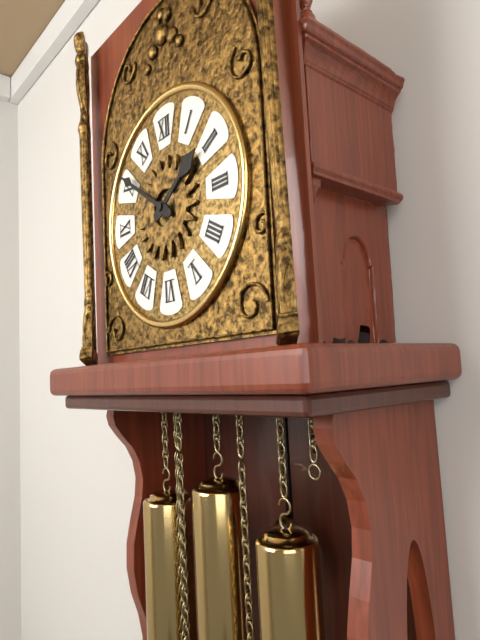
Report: 1:51
